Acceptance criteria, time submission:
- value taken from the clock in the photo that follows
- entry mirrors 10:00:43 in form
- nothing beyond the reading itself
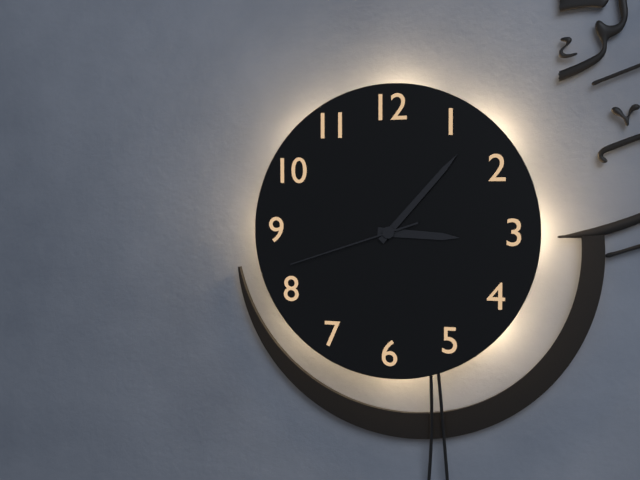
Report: 3:07:42
